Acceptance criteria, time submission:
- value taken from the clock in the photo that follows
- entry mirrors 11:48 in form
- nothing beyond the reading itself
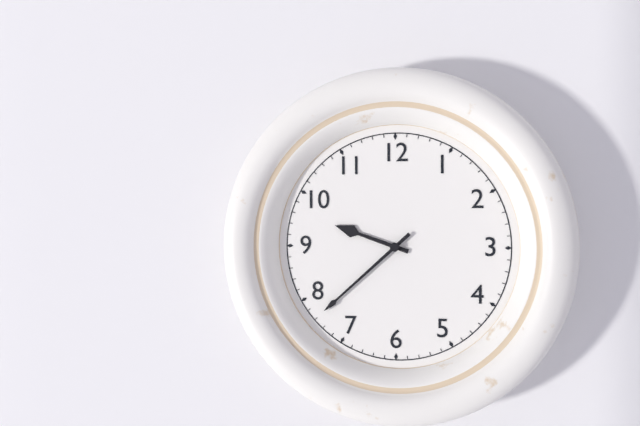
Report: 9:38
